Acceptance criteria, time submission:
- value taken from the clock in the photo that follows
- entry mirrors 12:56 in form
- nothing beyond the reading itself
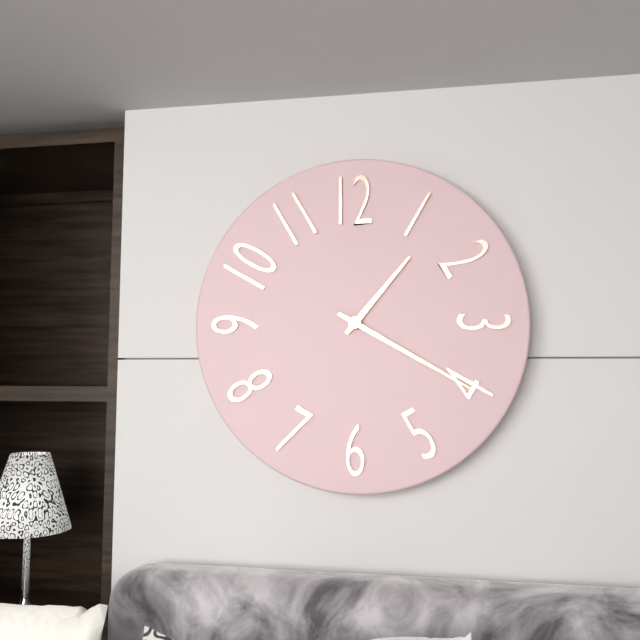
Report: 1:20
